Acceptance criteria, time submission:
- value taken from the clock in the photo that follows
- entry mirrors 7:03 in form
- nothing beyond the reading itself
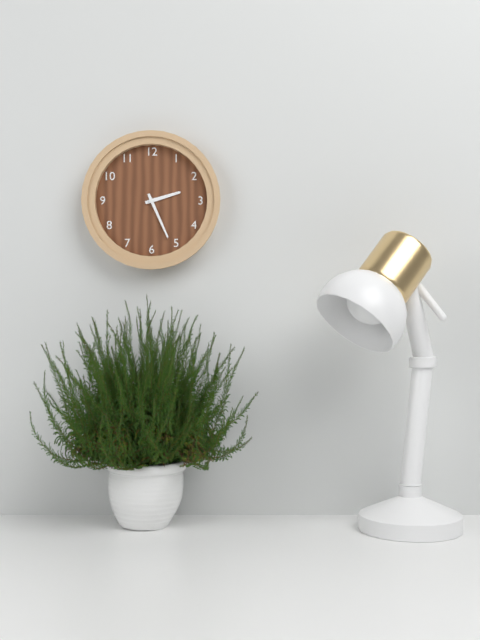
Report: 2:26
